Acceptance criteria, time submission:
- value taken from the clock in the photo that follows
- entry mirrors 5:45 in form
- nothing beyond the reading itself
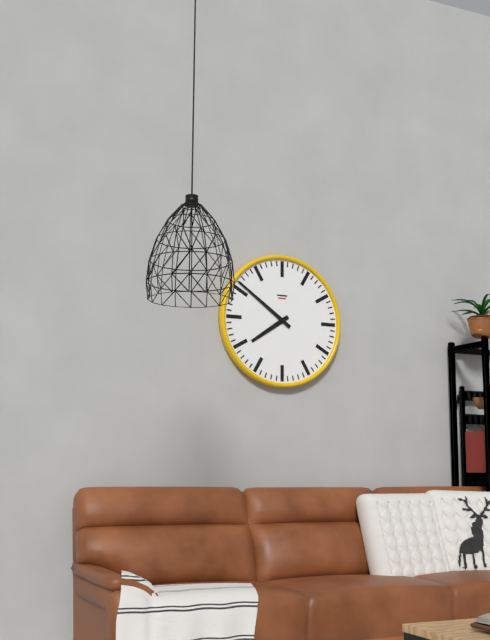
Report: 7:51
